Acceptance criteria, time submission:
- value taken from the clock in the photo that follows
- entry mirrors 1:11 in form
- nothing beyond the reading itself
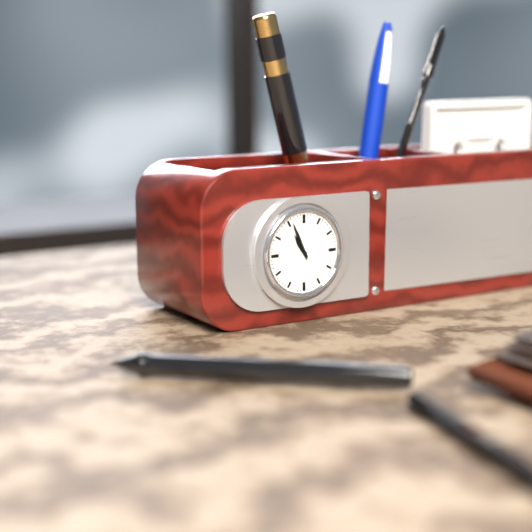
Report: 10:56
